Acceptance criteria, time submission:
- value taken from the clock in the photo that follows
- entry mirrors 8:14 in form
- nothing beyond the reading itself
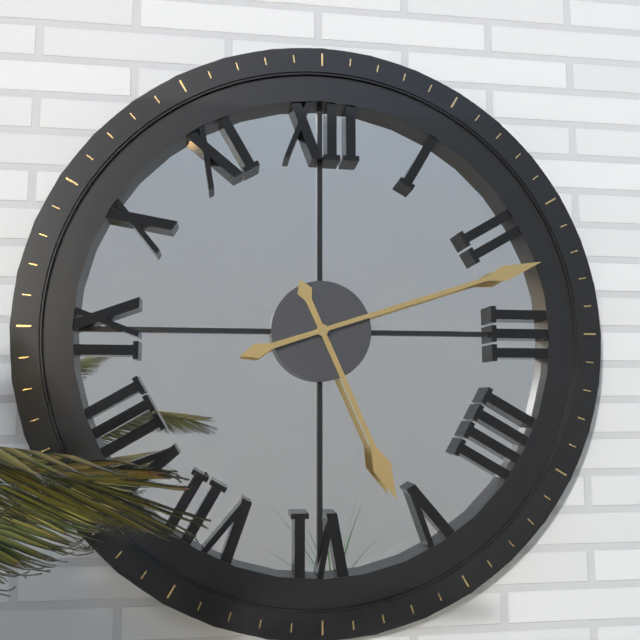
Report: 5:12
